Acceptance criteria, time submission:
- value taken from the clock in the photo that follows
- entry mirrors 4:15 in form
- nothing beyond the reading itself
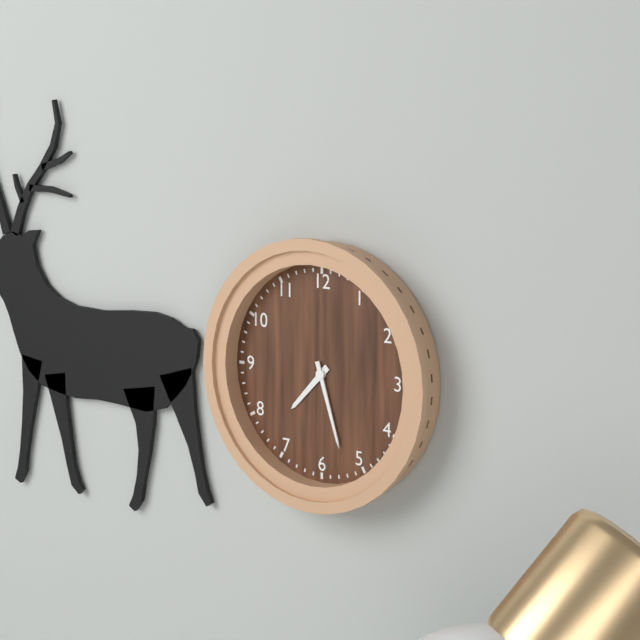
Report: 7:27
